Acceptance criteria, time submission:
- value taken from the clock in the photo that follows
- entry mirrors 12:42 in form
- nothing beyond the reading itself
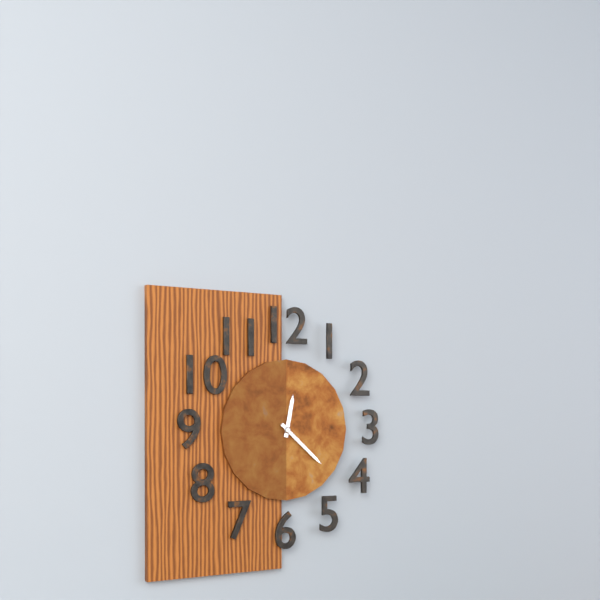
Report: 12:22
